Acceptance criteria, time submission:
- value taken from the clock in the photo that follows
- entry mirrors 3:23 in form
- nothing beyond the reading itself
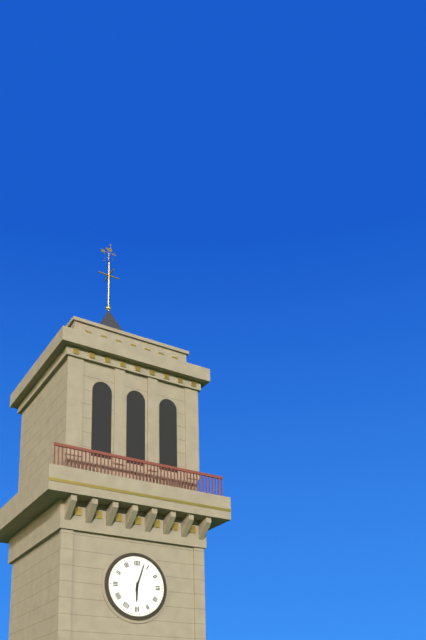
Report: 6:03
